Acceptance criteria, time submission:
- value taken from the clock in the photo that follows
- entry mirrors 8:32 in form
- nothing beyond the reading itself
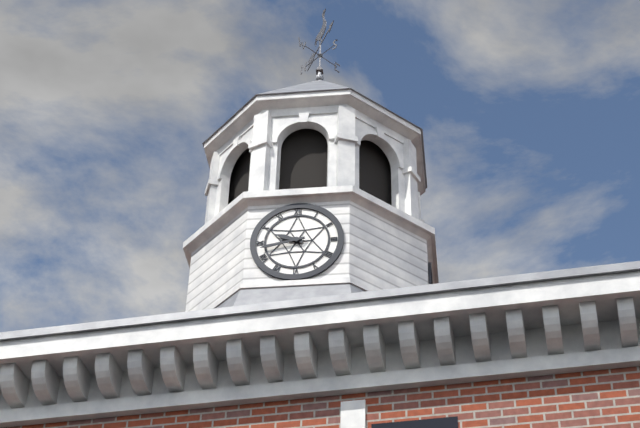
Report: 9:43
